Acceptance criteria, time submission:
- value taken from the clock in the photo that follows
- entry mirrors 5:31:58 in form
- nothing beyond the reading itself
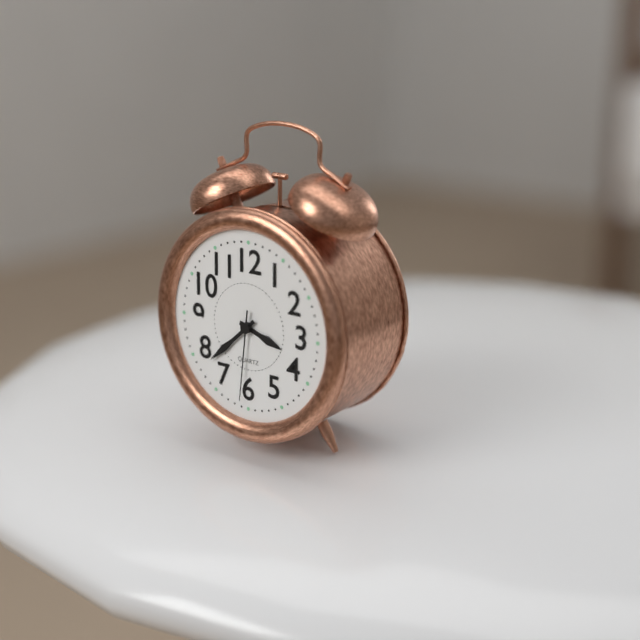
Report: 3:38:31
